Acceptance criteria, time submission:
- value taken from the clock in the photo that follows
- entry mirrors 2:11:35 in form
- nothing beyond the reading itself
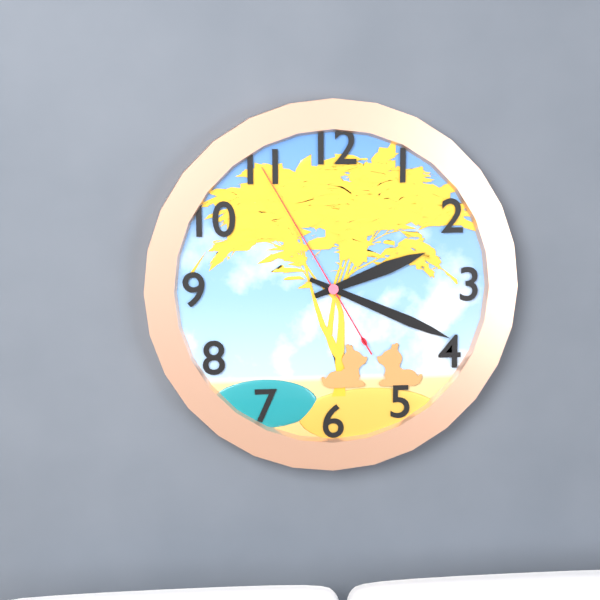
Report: 2:19:55
